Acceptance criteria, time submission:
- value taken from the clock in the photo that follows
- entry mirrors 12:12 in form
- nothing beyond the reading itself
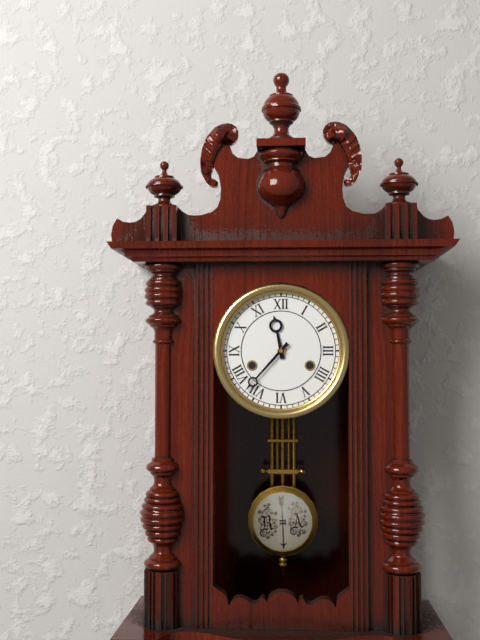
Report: 11:37
